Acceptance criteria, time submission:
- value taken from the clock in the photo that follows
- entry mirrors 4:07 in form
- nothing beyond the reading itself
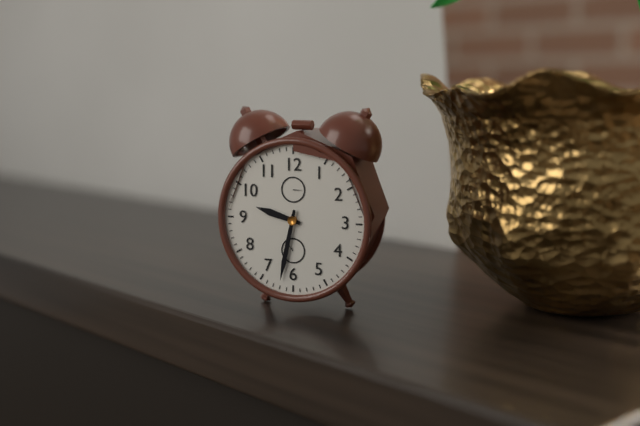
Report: 9:32
